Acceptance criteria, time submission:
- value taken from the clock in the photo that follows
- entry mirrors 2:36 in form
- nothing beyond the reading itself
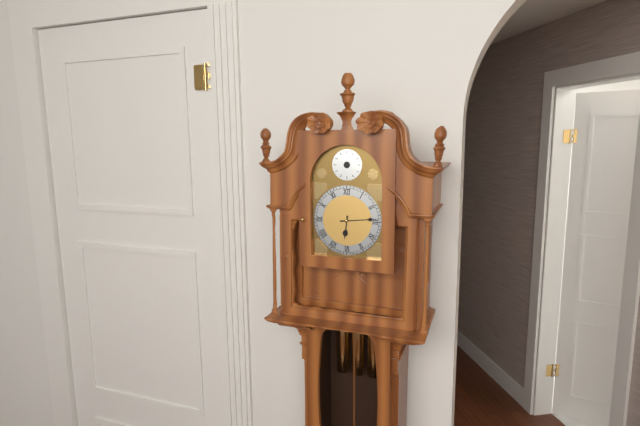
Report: 6:14
